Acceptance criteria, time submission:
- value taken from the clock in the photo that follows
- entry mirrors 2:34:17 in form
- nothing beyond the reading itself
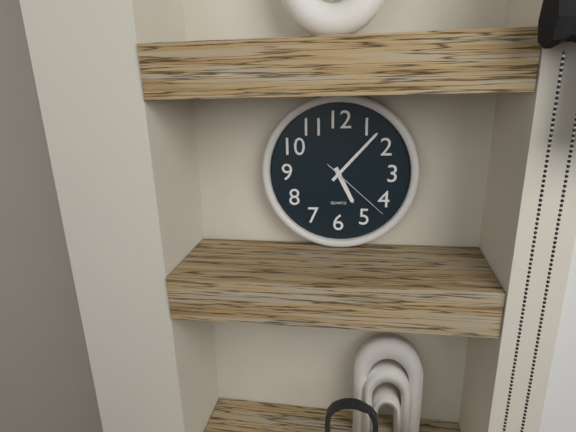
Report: 5:07:22
